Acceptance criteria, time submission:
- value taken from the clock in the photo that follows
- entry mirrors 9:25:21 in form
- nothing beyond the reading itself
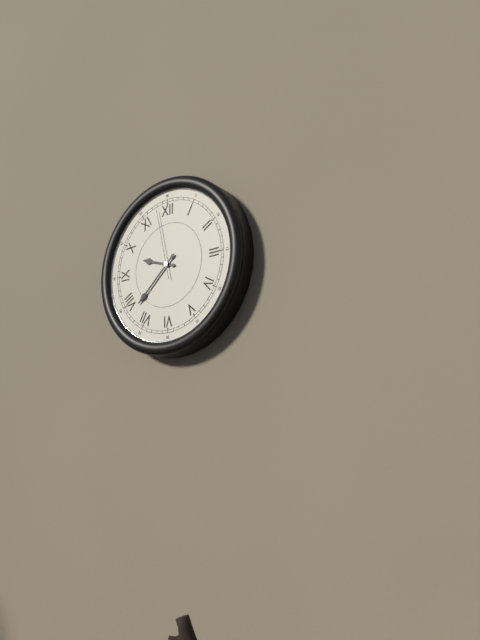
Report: 9:38:58
